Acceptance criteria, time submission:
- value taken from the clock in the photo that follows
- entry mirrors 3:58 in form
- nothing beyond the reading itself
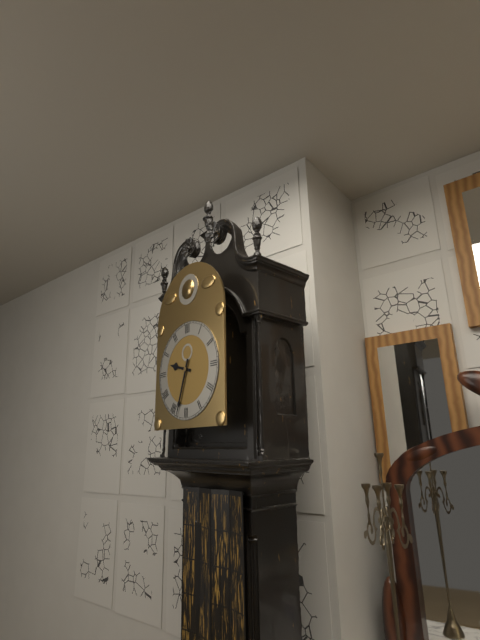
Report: 9:33
